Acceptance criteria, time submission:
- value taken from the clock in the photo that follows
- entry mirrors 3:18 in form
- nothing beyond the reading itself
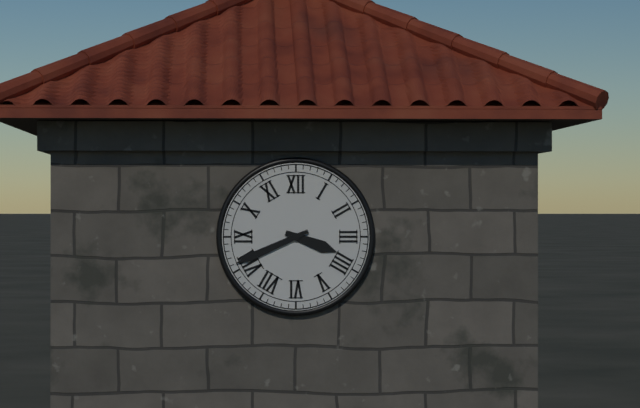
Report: 3:41
